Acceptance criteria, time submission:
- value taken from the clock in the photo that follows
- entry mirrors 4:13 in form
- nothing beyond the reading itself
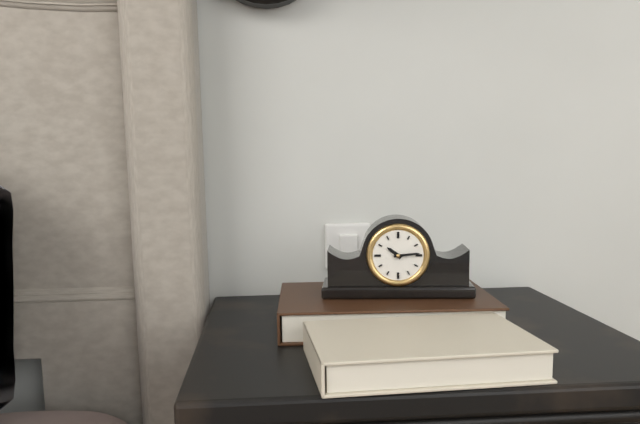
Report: 10:14
